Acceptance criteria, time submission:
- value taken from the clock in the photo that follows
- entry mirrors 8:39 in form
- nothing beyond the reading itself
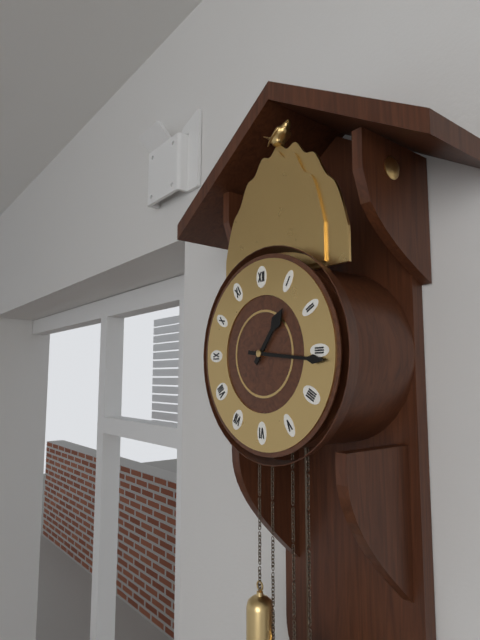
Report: 1:16
